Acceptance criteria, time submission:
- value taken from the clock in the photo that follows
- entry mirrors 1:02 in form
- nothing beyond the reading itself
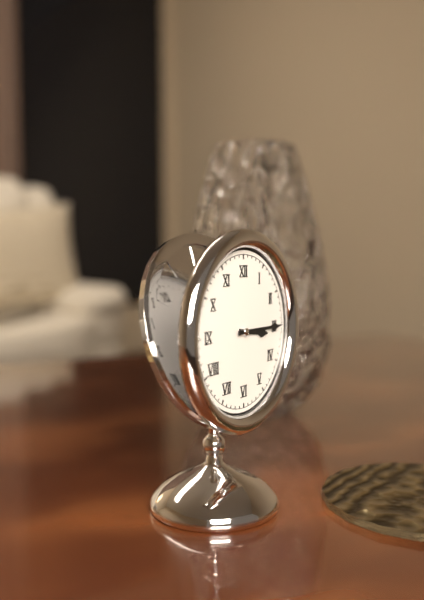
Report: 3:15
